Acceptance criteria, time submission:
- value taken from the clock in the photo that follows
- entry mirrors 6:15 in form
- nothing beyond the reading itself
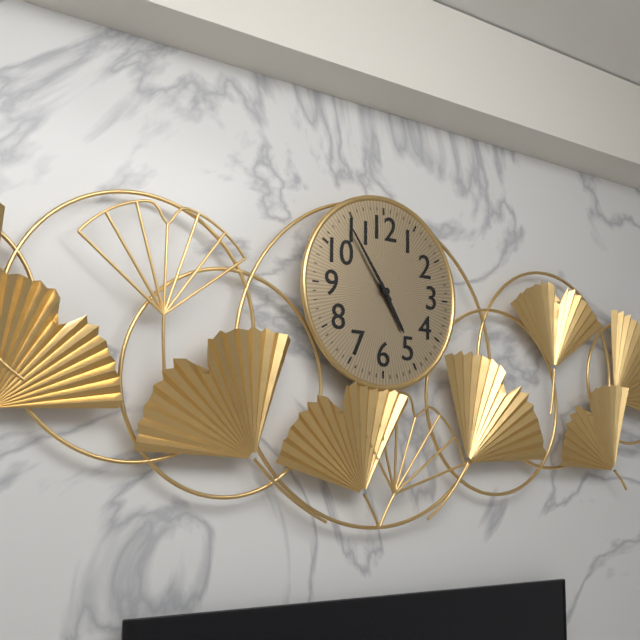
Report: 4:54
